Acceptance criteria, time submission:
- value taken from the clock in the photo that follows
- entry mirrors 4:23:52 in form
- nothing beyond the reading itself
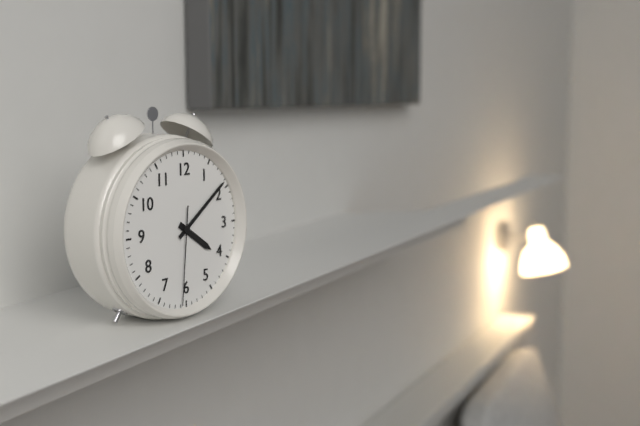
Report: 4:09:31
